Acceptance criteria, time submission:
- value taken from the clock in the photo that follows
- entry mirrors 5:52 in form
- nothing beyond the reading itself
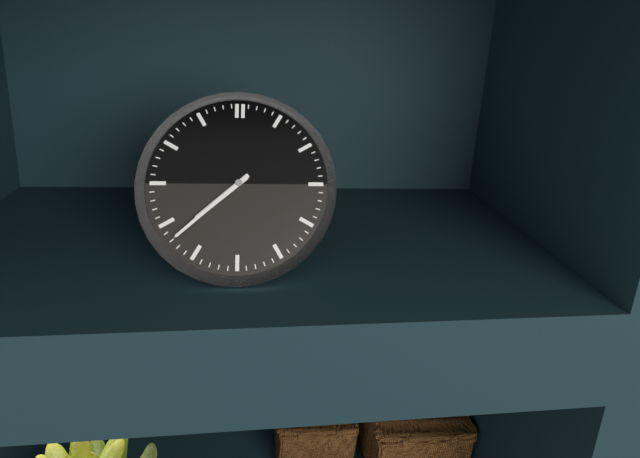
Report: 7:38
